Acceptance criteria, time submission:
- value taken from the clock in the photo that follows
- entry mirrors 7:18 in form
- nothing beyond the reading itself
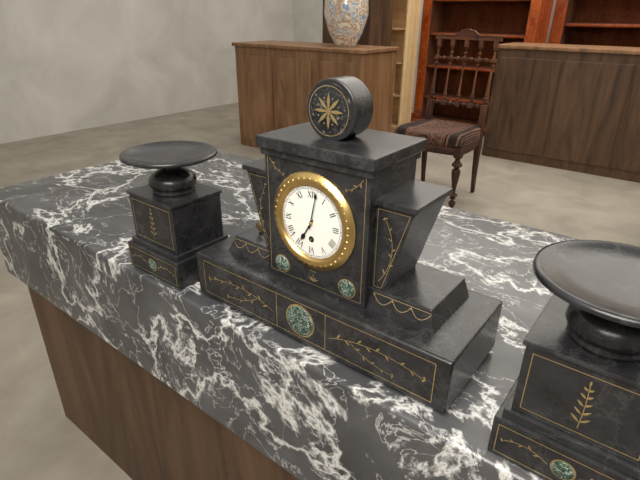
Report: 7:02
